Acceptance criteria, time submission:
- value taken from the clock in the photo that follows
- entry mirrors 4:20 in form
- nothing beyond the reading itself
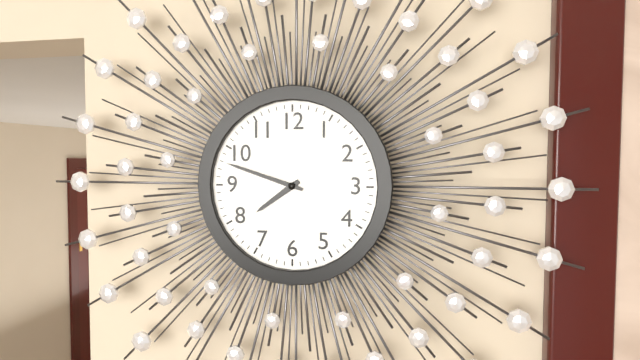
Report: 7:48
